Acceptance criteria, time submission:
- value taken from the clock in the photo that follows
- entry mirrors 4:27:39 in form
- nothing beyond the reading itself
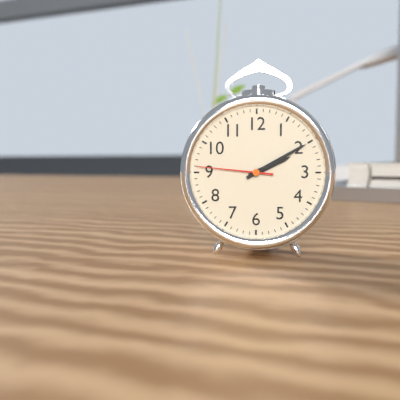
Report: 2:10:46
